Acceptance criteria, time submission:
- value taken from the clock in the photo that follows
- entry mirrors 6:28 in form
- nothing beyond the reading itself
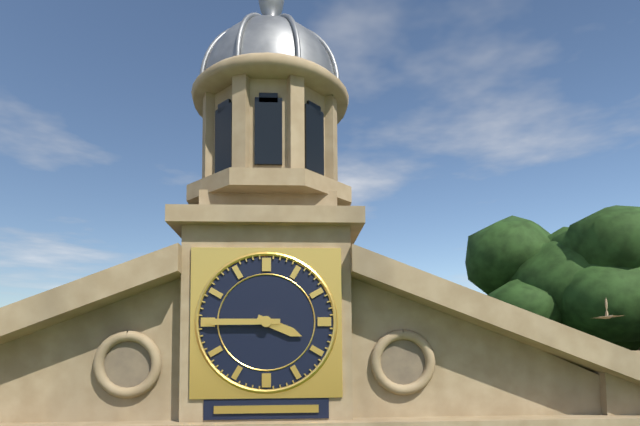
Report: 3:45
